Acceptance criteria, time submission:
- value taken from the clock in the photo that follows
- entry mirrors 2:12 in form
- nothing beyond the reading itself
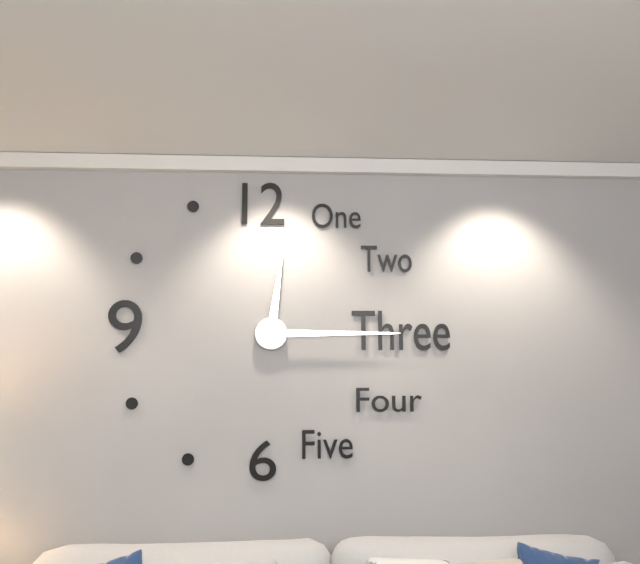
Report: 12:15
